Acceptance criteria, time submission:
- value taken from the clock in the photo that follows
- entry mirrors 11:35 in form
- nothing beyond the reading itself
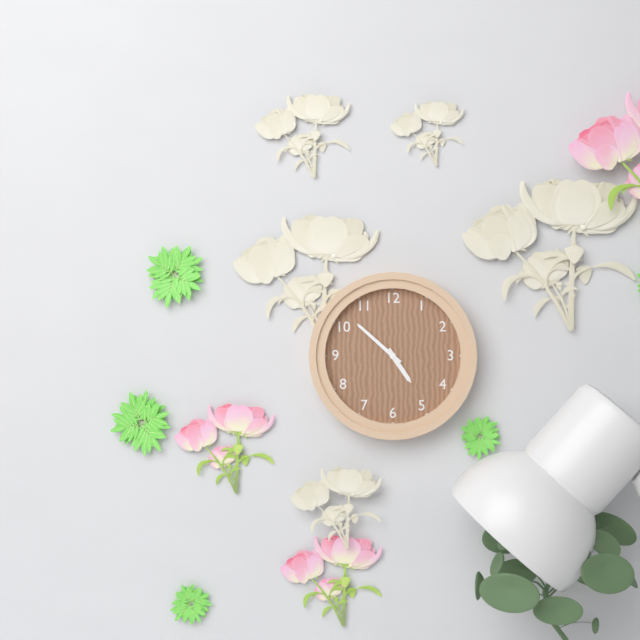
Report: 4:52
